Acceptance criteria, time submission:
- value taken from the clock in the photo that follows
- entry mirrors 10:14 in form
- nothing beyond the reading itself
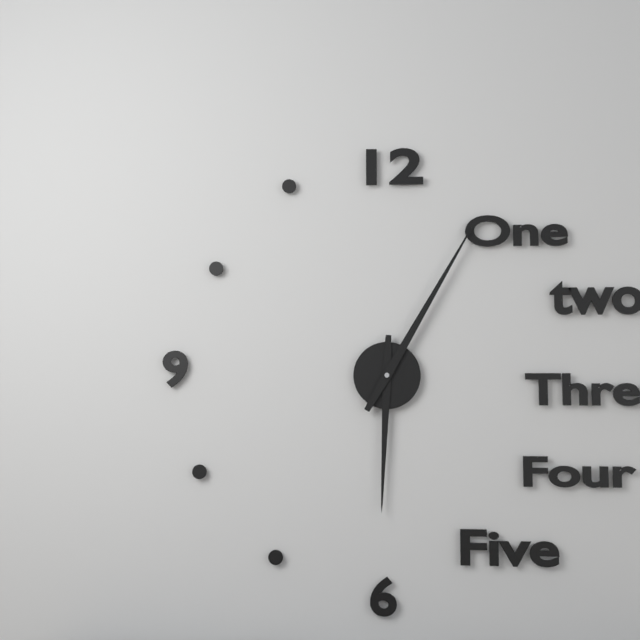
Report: 6:05
